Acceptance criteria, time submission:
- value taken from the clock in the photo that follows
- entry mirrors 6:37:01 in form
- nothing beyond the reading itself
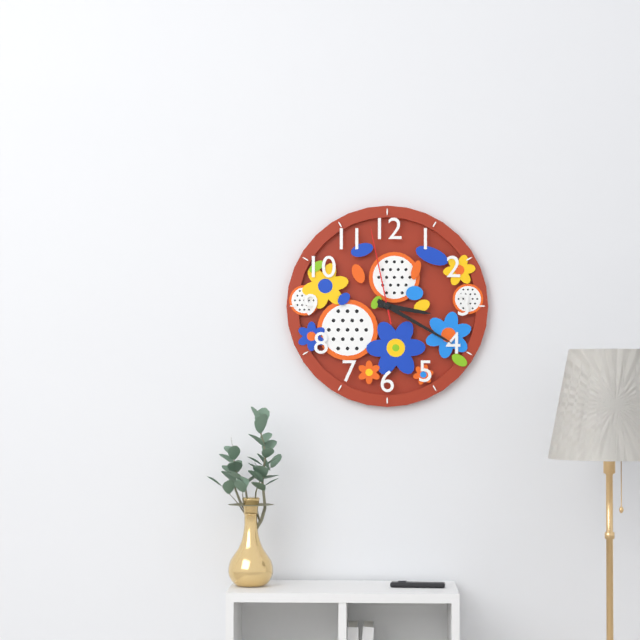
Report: 3:20:58
